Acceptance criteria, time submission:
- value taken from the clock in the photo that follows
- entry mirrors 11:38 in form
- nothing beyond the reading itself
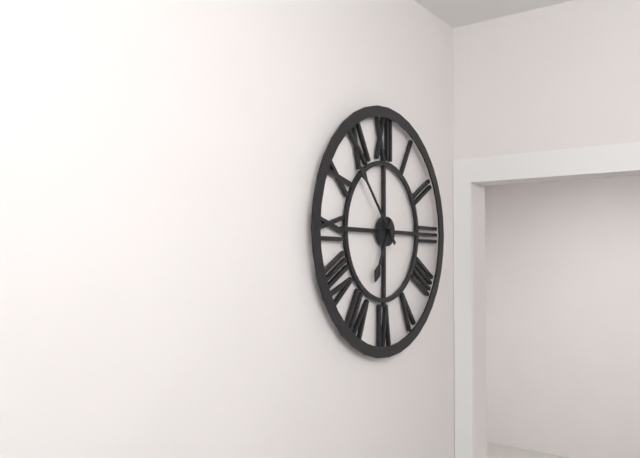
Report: 6:53
